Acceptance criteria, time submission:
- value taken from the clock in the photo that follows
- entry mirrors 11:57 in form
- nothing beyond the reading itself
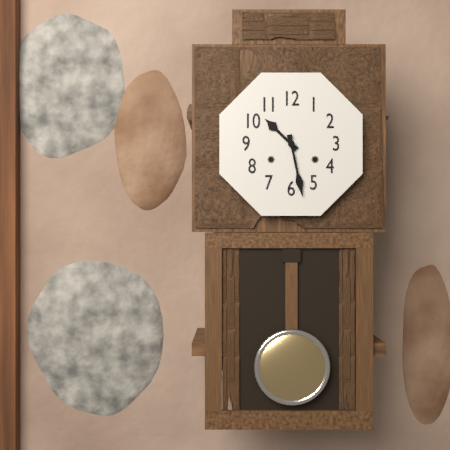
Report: 10:28
